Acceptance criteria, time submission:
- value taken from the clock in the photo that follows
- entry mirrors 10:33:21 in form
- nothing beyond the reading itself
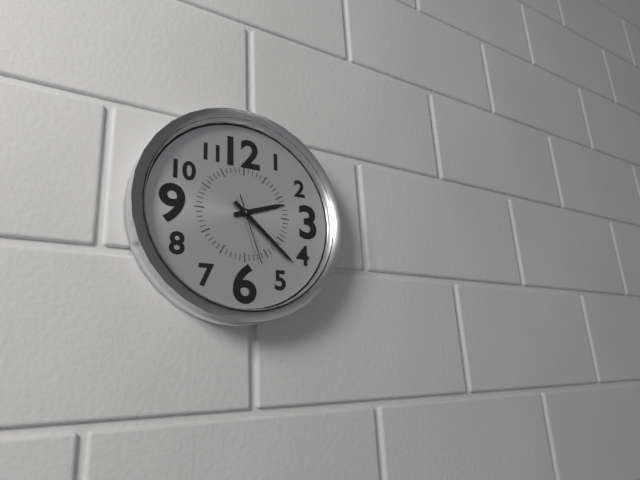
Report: 2:22:27
